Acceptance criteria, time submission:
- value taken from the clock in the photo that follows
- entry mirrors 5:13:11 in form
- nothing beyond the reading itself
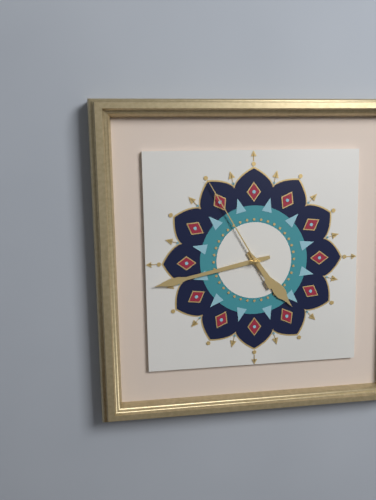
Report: 4:43:55
